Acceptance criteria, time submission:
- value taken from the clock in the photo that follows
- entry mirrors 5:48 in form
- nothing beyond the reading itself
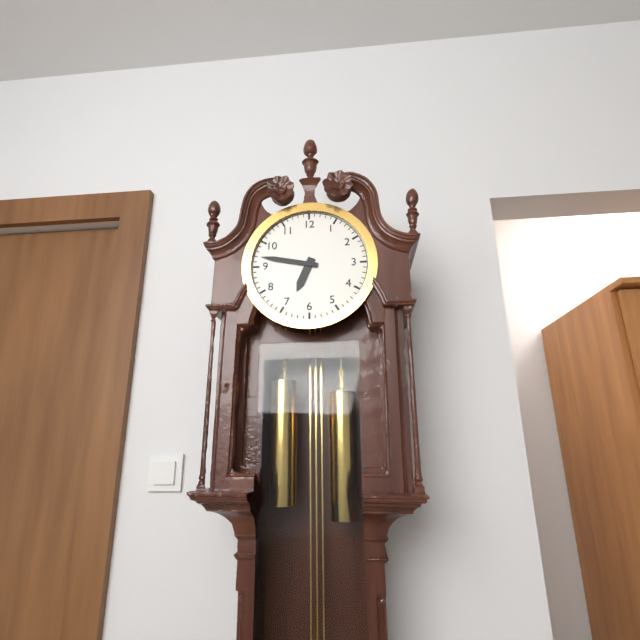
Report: 6:47
